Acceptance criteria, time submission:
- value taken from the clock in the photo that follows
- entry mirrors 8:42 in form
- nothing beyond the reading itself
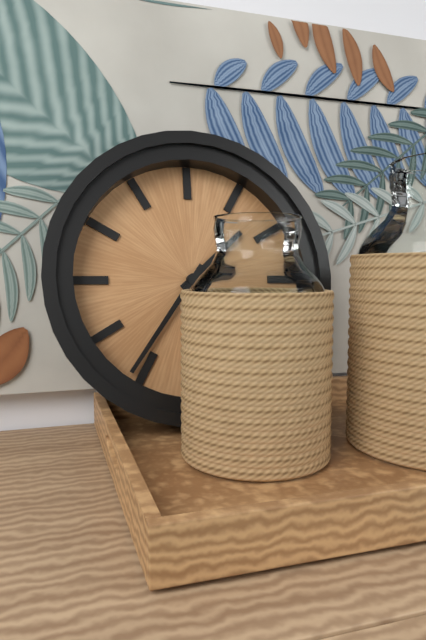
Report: 1:36
